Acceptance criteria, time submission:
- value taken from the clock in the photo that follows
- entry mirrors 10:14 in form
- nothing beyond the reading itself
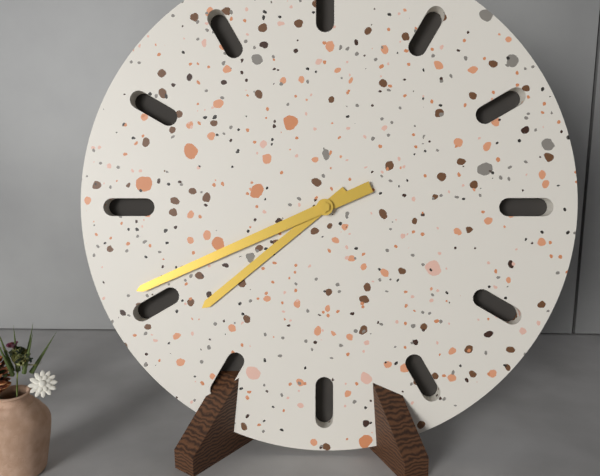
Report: 7:41
